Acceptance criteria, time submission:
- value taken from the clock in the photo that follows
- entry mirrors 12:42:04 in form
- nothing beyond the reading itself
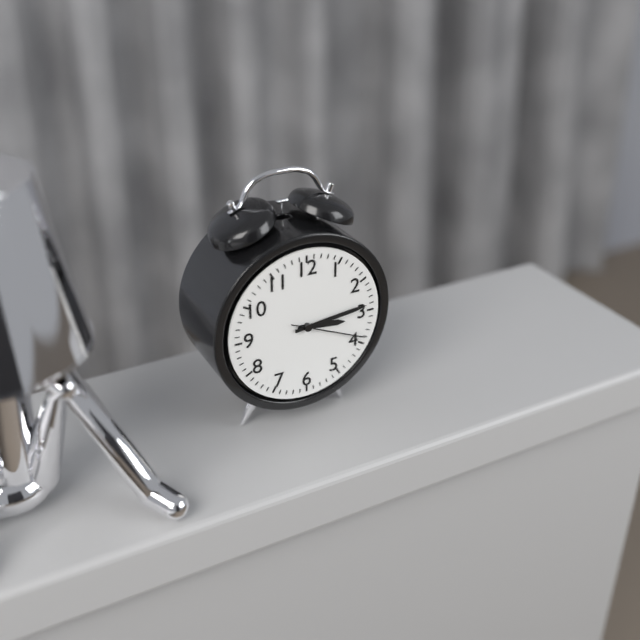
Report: 3:14:19
